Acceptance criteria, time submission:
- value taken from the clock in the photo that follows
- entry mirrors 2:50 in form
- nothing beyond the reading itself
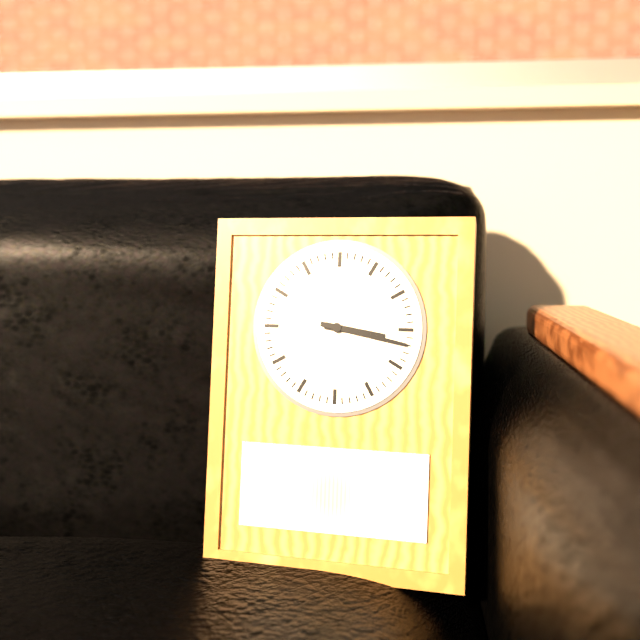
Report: 3:17
